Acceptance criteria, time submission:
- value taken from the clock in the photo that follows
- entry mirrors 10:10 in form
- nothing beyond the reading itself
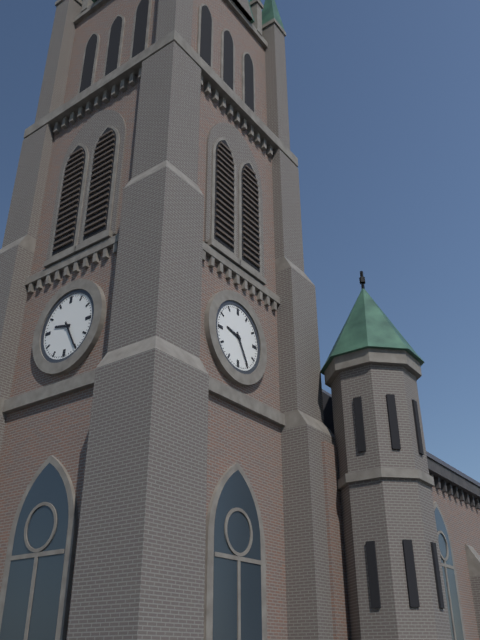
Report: 9:25
